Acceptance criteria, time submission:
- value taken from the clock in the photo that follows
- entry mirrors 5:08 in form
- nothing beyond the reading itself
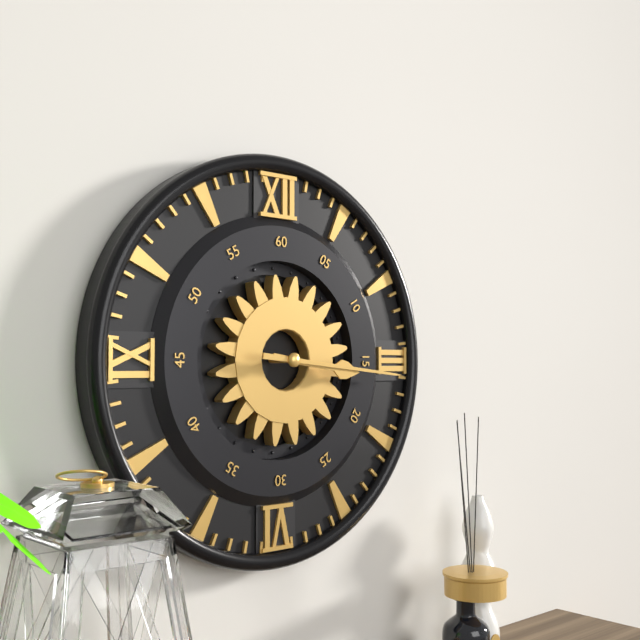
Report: 3:16
